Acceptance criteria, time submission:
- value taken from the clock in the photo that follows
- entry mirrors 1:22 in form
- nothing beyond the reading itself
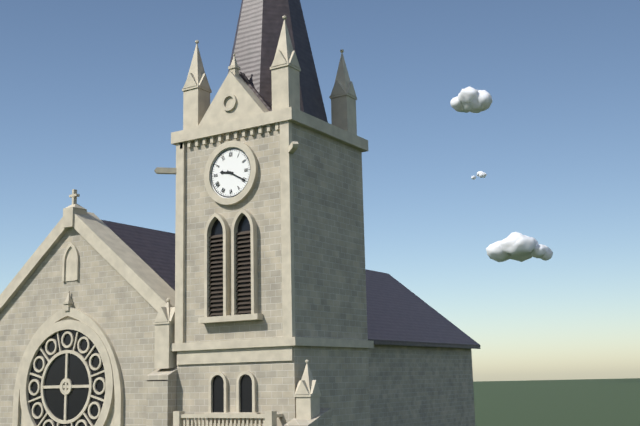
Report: 9:20
